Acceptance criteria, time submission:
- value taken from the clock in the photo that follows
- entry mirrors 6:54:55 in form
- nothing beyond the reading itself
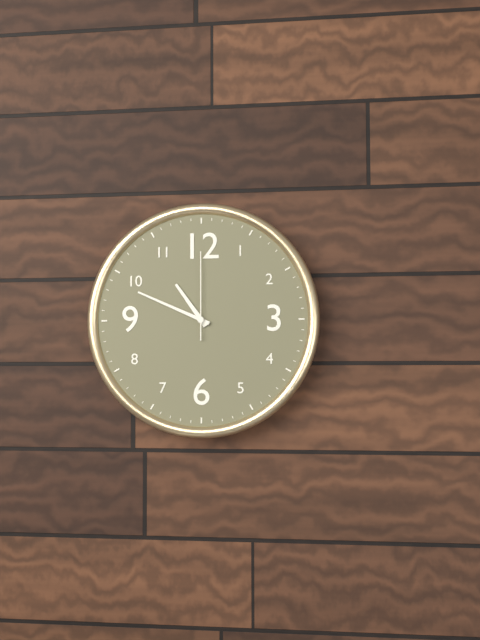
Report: 10:49:00
